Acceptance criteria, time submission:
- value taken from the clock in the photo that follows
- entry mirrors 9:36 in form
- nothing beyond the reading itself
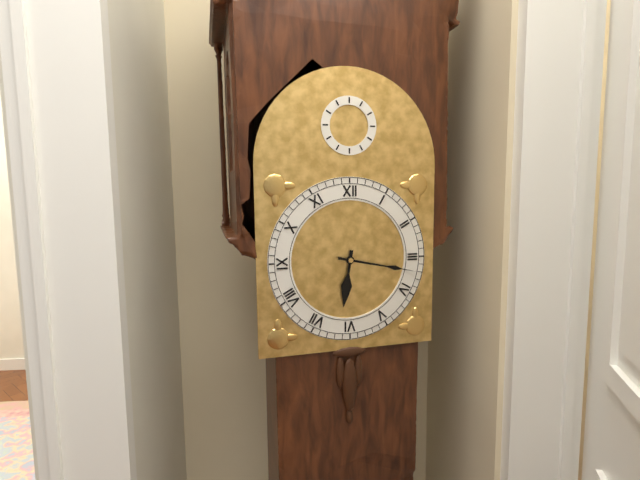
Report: 6:17
